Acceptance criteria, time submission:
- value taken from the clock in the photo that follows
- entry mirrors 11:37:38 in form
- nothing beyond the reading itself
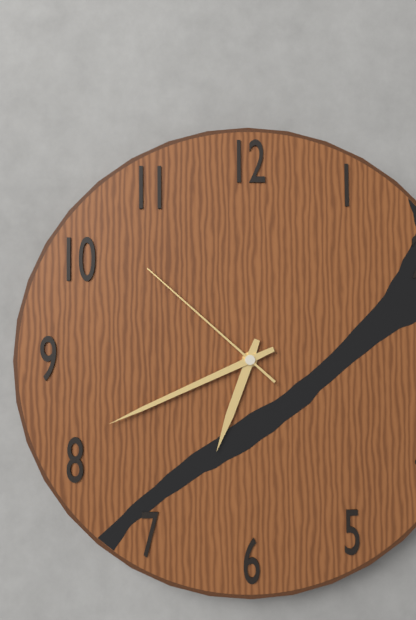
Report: 6:41:52
